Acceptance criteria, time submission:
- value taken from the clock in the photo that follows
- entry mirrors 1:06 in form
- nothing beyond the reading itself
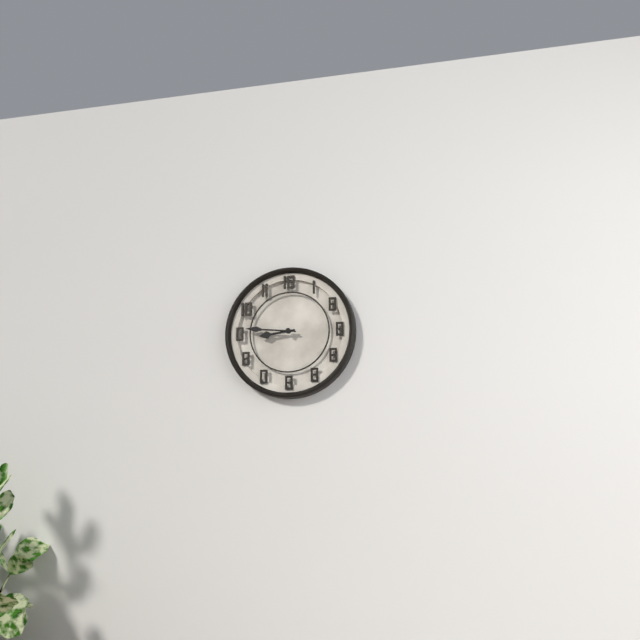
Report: 8:46
